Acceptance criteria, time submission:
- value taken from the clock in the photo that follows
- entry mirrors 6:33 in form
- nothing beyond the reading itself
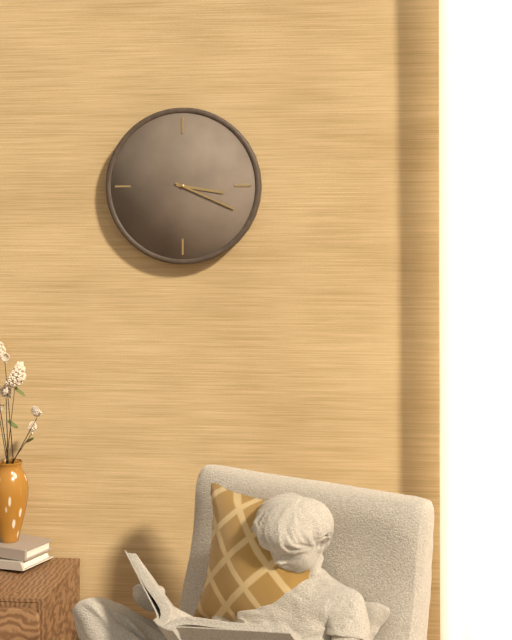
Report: 3:19
